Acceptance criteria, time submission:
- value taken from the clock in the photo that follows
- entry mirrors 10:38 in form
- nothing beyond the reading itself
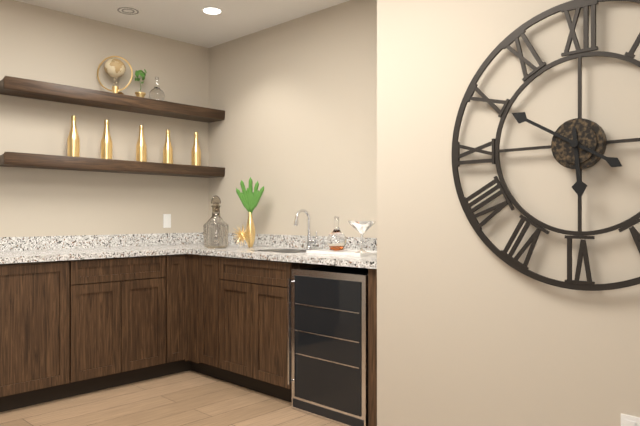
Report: 5:50
